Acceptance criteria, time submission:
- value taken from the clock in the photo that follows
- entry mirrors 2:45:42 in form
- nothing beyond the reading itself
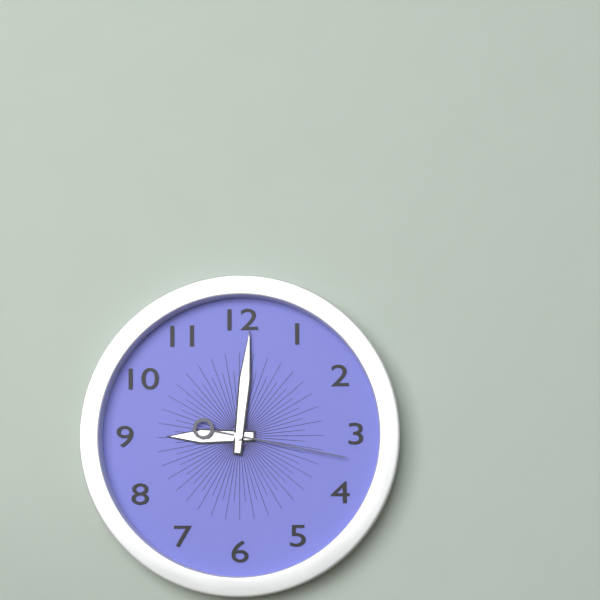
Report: 9:01:17
